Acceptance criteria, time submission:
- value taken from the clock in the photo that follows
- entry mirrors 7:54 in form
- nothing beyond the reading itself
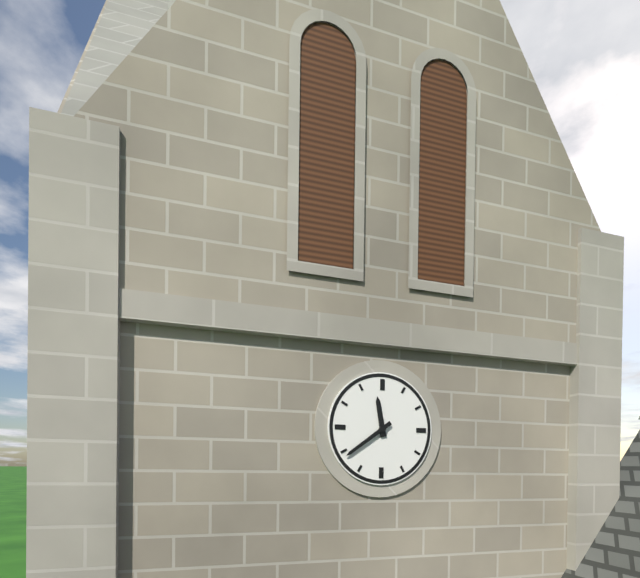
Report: 11:39
